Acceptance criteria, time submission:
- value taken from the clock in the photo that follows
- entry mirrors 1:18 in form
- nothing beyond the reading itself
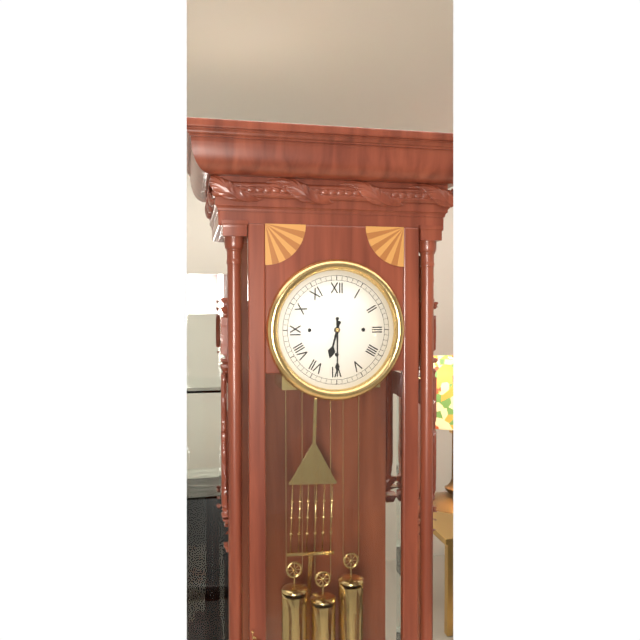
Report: 6:30
